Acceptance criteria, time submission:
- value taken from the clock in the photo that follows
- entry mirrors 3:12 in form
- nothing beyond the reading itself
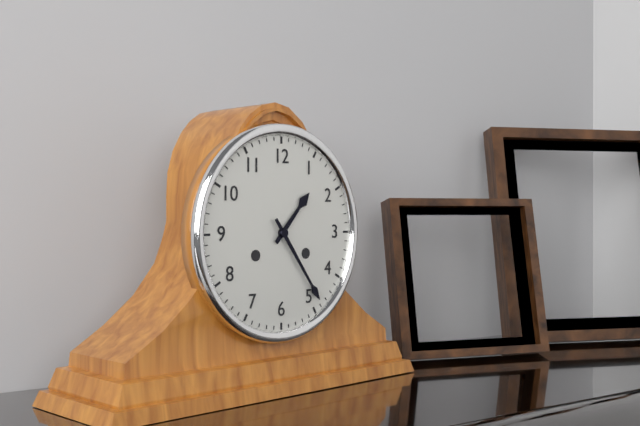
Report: 1:24
